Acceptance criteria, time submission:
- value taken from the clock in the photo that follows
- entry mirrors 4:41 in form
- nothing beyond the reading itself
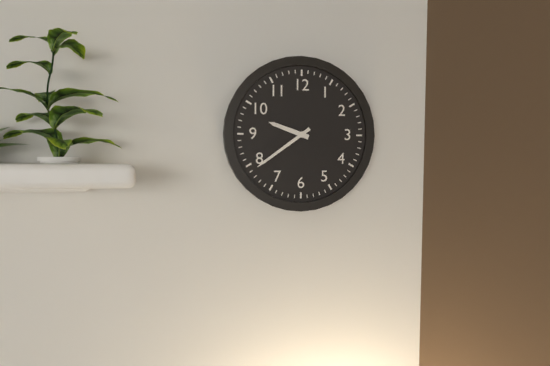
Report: 9:39
